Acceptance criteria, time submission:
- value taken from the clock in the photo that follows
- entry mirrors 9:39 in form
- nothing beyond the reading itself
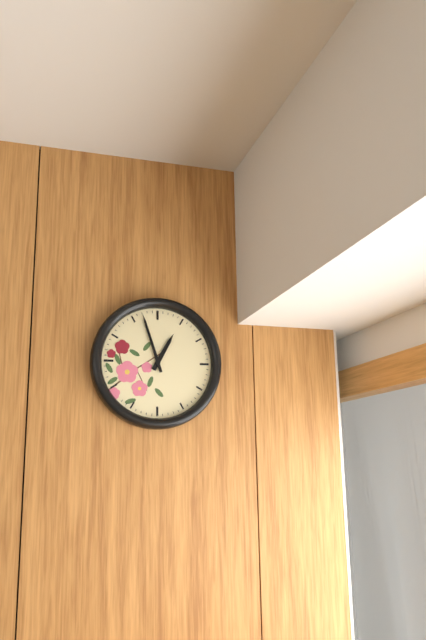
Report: 12:57
